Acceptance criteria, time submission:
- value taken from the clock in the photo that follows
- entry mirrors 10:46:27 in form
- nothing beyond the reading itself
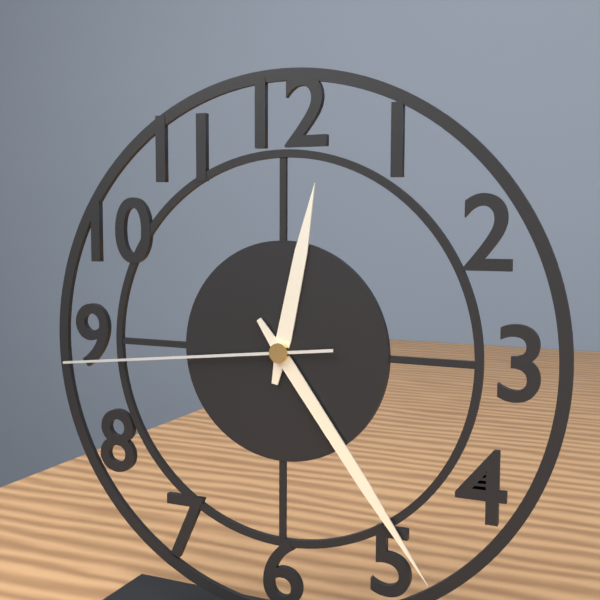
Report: 12:24:44
